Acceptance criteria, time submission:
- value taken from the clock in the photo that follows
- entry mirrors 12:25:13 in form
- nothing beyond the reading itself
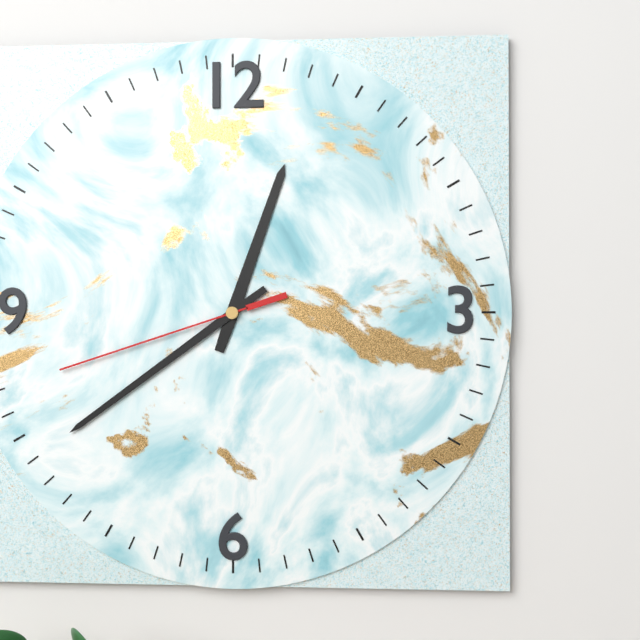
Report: 12:39:42
